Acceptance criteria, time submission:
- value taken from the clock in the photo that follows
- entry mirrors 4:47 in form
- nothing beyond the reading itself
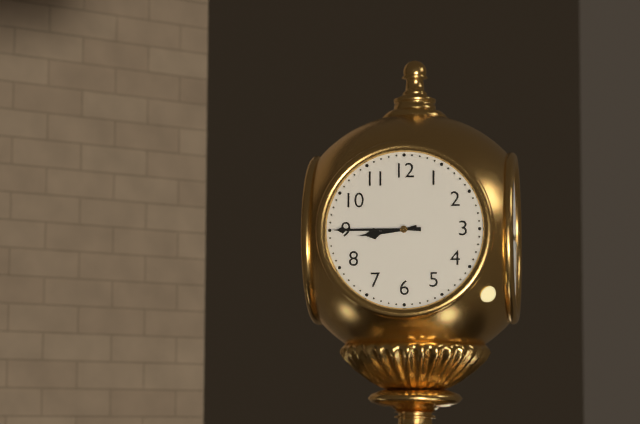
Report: 8:45
